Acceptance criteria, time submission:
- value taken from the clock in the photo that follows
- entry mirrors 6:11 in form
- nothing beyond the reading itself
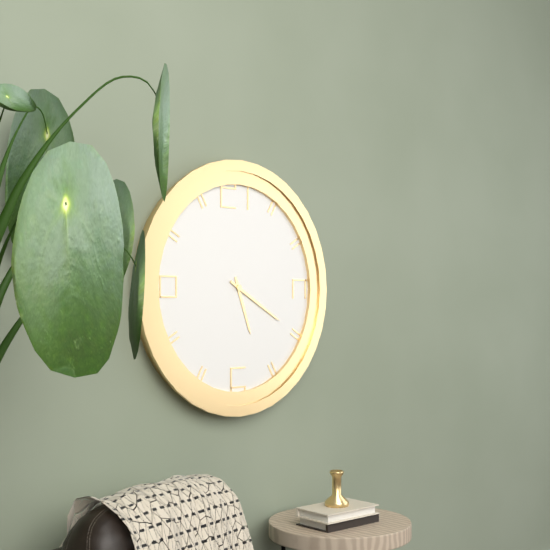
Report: 5:20
